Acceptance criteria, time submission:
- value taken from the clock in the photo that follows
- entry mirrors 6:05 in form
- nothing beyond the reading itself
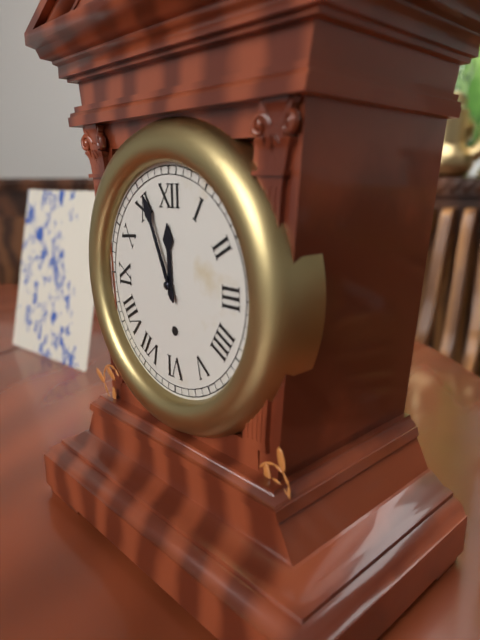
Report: 11:56
